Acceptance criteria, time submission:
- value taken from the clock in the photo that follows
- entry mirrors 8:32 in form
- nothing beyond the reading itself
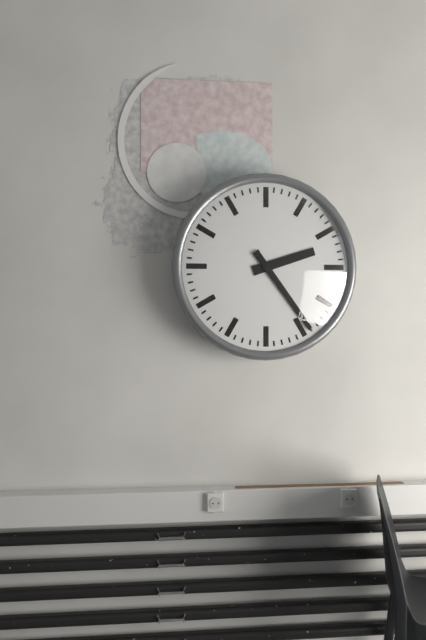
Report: 2:24
